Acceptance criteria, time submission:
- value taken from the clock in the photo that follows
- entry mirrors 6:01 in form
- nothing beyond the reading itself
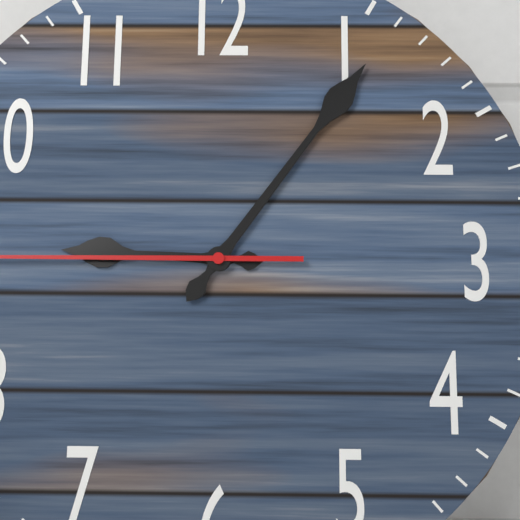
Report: 9:06
